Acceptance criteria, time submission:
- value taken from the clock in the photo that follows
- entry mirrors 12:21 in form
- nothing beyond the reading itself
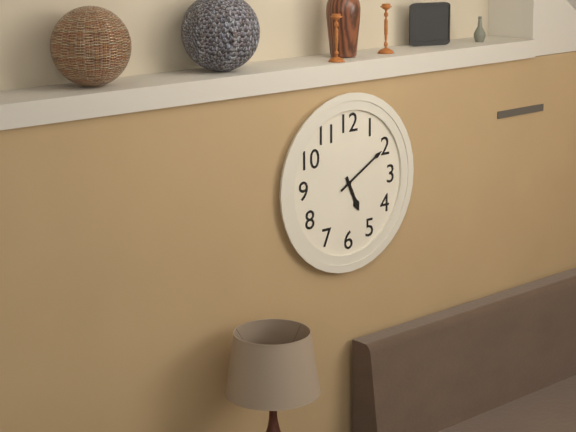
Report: 5:10
